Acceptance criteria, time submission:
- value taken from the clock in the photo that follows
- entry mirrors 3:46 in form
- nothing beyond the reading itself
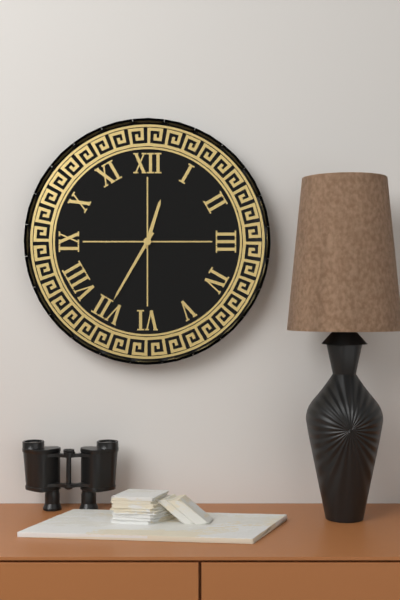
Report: 12:35
